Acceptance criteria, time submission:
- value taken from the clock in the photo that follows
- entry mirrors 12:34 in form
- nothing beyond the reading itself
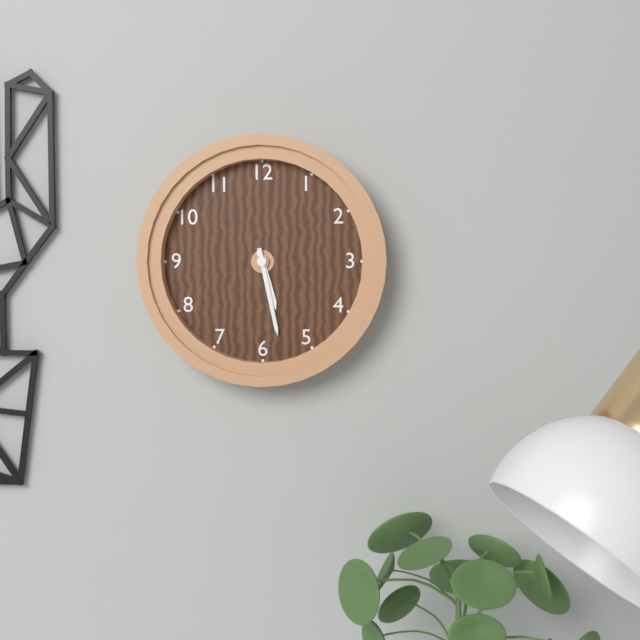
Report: 5:28
